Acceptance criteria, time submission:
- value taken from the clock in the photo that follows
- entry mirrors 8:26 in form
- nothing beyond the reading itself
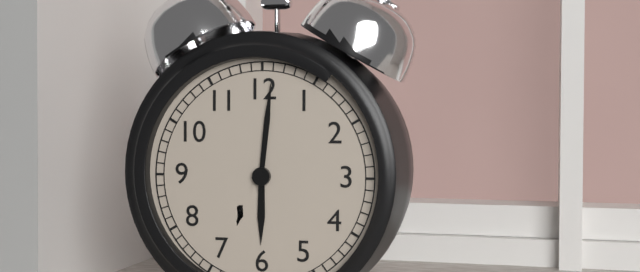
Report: 6:01
